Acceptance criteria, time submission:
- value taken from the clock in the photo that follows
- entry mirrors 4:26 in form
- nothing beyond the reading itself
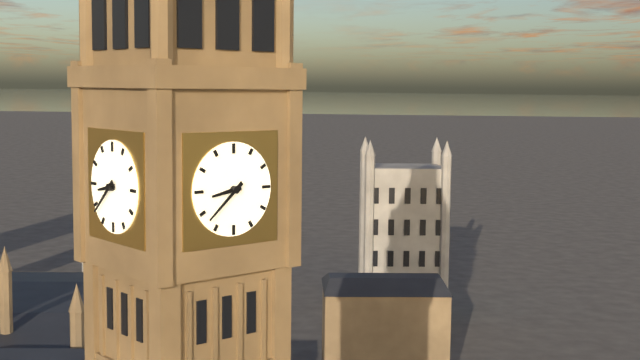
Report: 8:38
